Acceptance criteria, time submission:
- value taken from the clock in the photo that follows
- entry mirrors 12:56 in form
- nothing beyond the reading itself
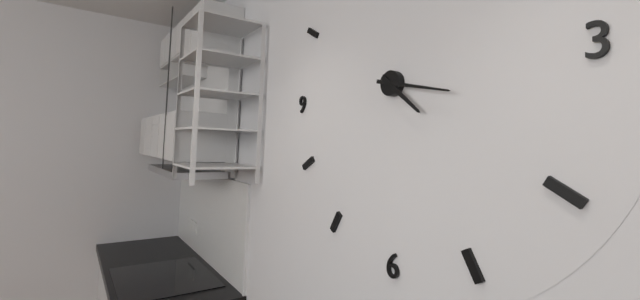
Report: 4:17
